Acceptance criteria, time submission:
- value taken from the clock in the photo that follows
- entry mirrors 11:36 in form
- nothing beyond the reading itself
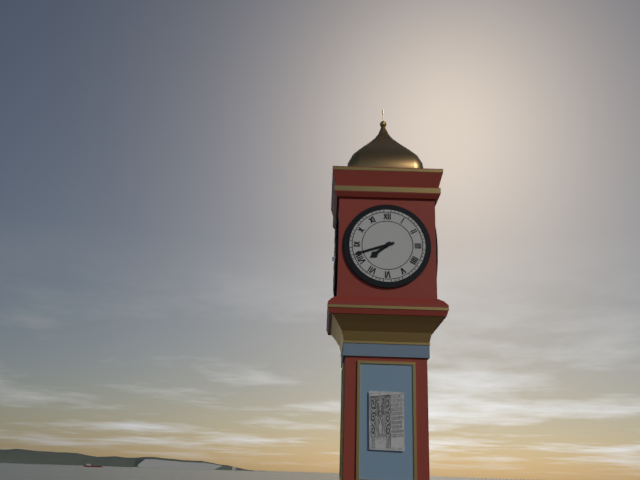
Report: 7:42
